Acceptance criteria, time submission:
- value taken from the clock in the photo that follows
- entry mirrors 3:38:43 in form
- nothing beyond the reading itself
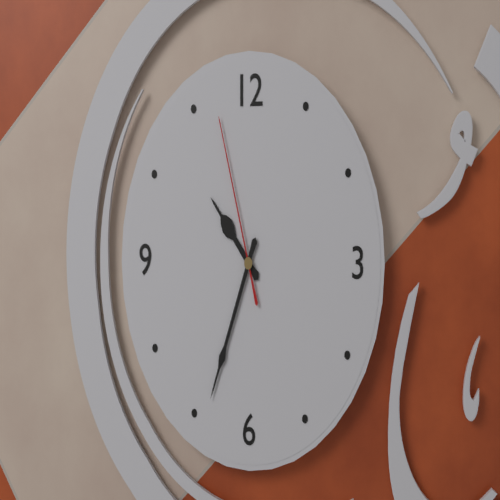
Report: 10:34:57
